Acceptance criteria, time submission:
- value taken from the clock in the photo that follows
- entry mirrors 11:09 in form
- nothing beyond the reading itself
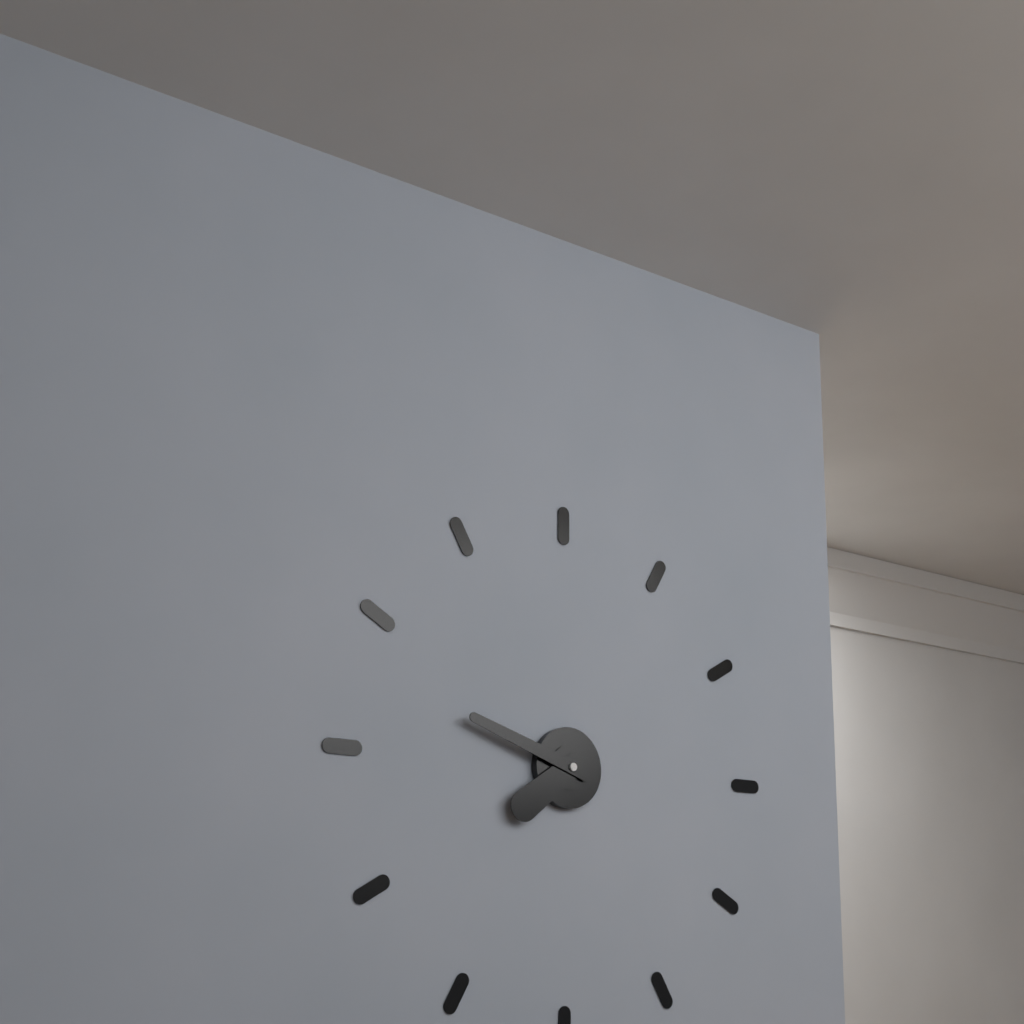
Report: 7:48
